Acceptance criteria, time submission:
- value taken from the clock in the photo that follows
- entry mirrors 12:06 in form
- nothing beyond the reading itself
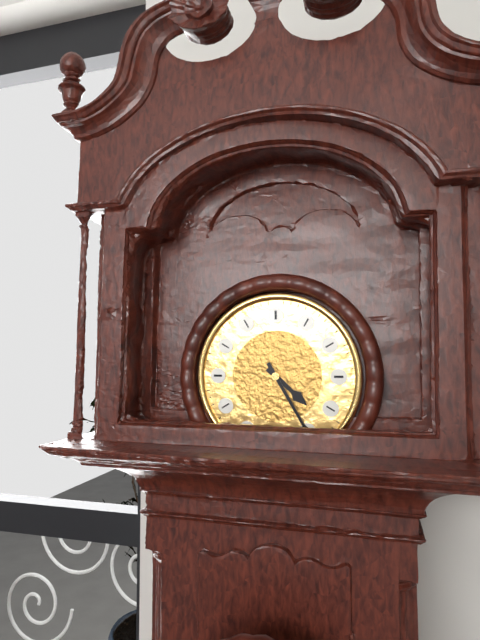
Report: 4:25
